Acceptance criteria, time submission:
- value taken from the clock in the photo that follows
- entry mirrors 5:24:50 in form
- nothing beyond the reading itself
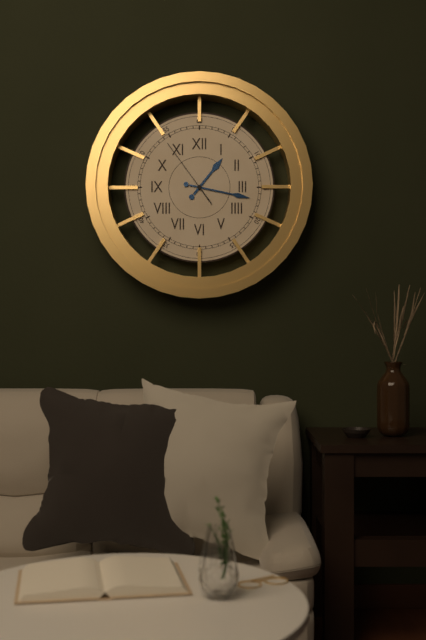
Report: 1:17:54
